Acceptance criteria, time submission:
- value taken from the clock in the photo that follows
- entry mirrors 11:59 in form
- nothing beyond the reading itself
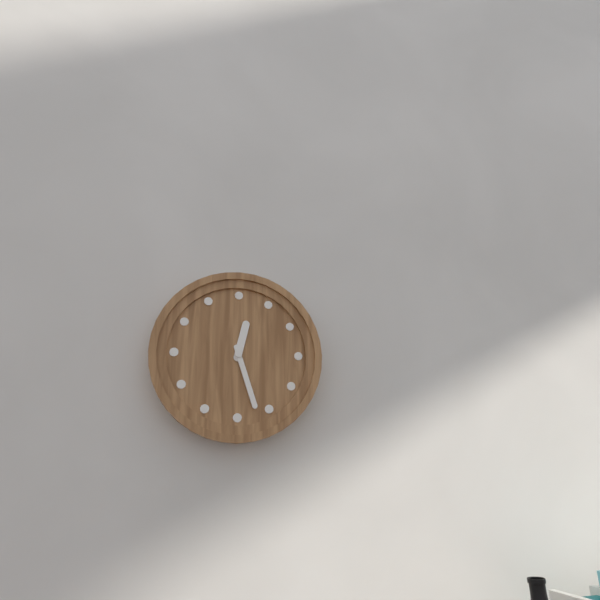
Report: 12:27
